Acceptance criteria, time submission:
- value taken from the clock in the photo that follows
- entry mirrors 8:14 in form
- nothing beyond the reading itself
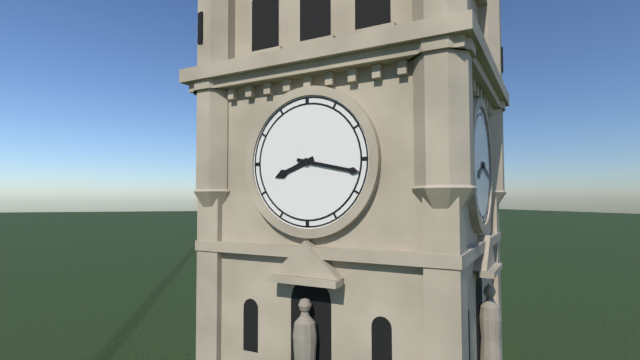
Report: 8:17
